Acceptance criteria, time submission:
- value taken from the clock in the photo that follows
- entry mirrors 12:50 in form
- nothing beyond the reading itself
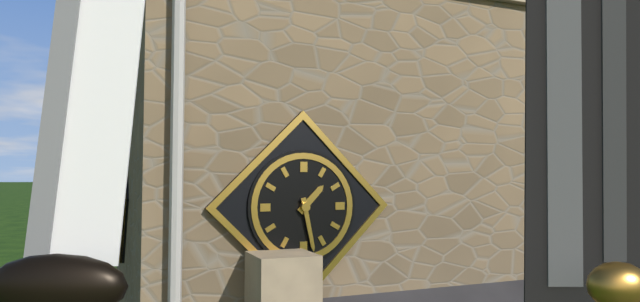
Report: 1:28
